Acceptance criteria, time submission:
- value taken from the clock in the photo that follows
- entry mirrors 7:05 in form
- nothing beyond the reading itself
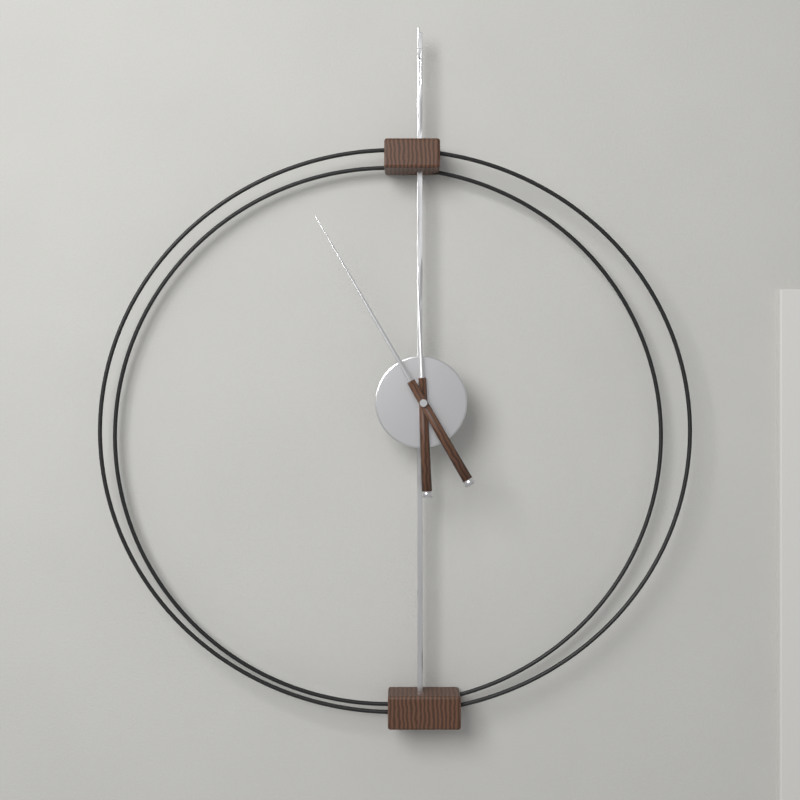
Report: 11:55
